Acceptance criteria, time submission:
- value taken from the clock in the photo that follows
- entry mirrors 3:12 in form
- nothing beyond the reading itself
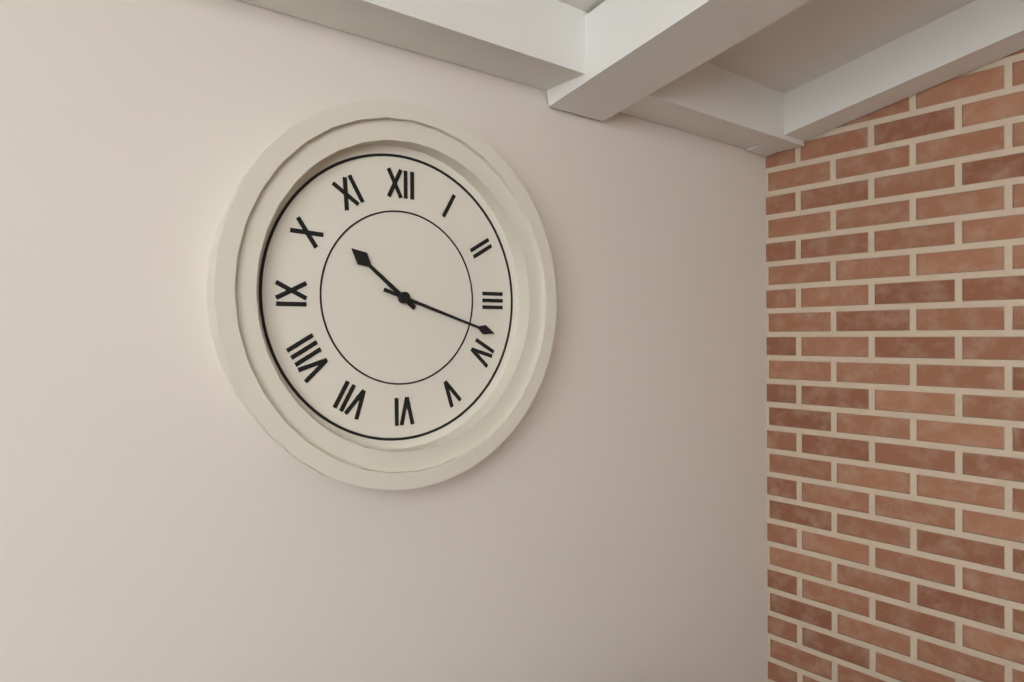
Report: 10:18
